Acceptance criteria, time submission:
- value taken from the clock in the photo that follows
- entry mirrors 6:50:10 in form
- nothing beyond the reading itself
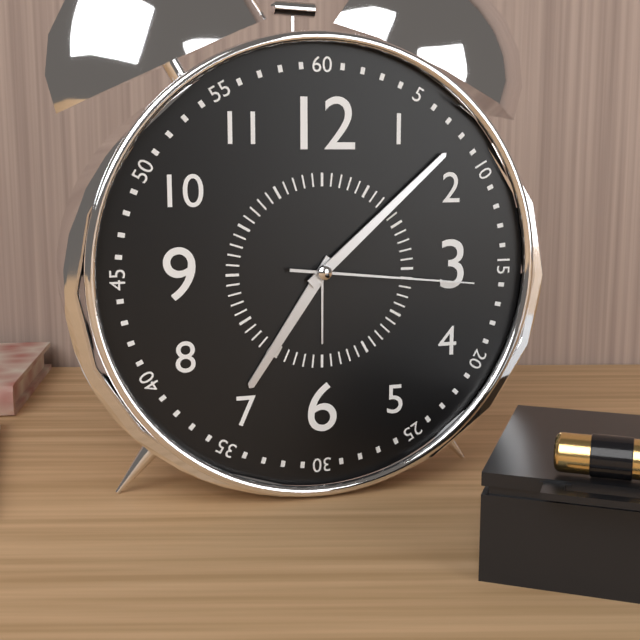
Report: 7:08:16
